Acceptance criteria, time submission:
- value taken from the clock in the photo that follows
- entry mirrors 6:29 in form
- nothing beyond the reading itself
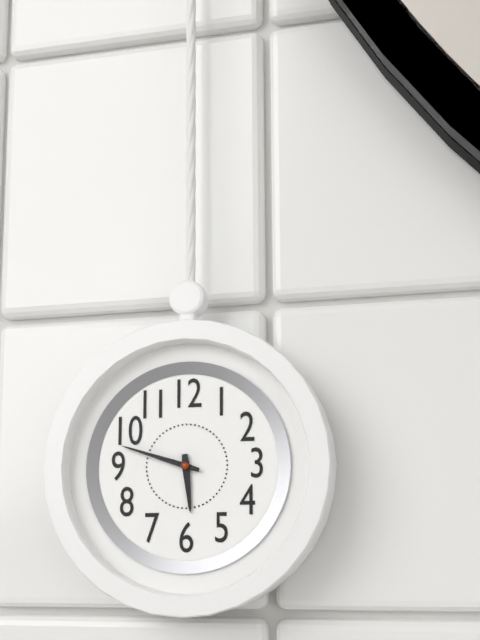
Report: 5:48
